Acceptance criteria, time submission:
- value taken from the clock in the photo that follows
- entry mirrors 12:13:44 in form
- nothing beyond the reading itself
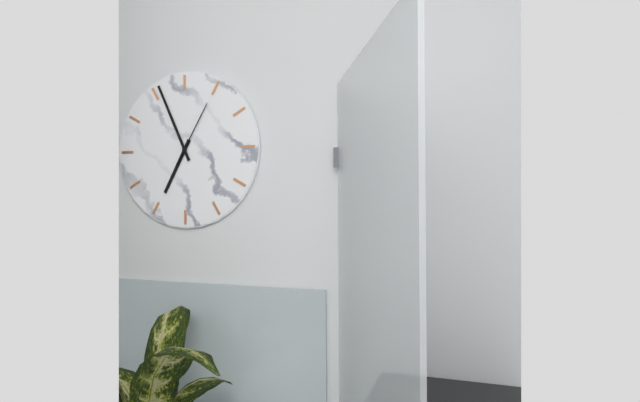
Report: 6:56:05
